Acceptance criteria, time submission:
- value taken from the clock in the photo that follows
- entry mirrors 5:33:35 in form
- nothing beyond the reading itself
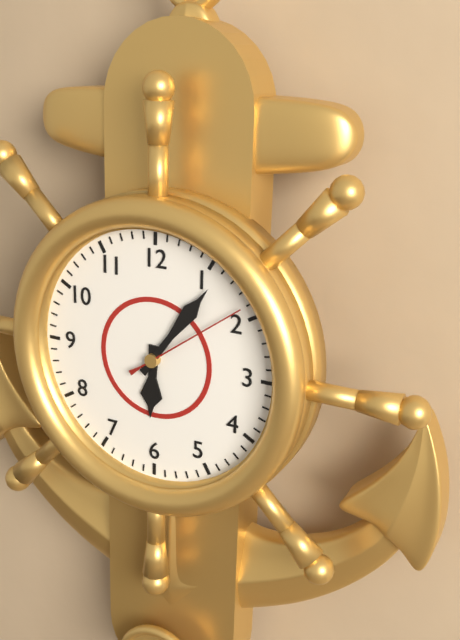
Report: 6:06:09
